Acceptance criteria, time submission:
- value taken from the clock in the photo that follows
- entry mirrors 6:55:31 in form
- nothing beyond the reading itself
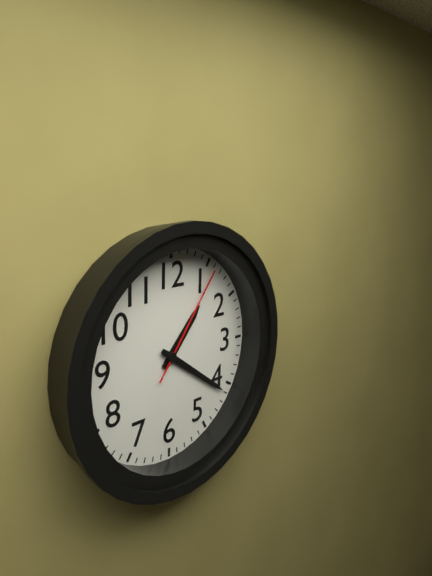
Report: 1:21:06
